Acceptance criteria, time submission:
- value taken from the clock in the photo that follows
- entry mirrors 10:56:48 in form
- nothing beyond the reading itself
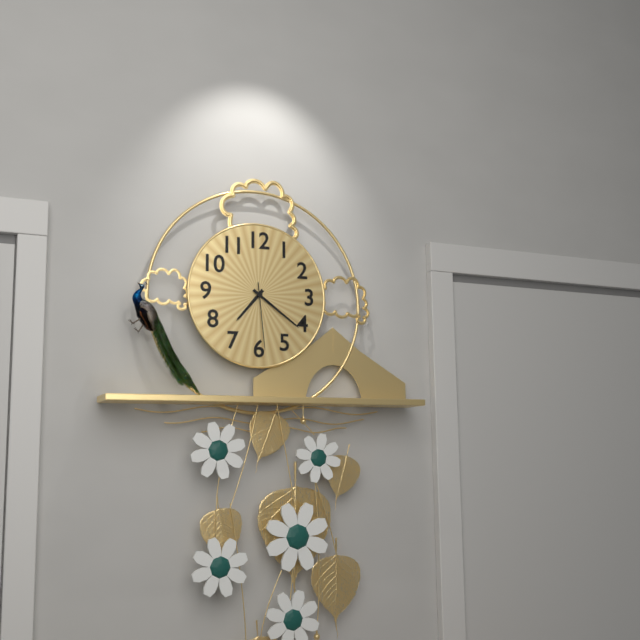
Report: 7:21:29
